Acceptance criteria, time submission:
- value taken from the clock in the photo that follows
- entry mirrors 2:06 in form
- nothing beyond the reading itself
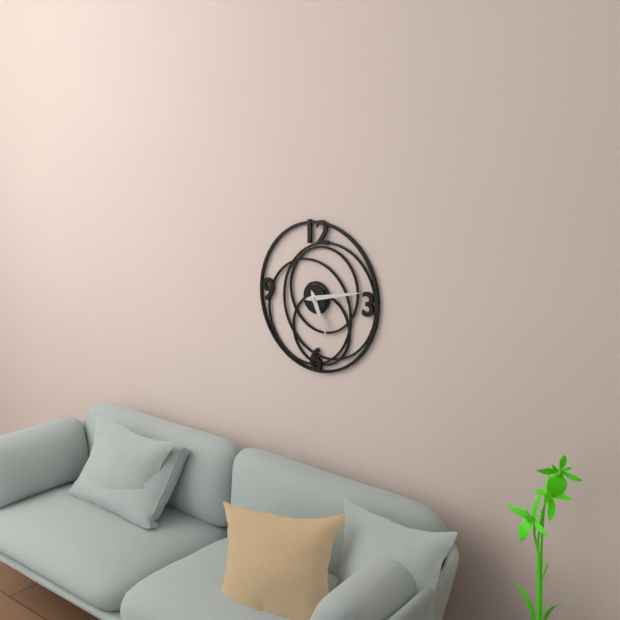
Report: 5:13
